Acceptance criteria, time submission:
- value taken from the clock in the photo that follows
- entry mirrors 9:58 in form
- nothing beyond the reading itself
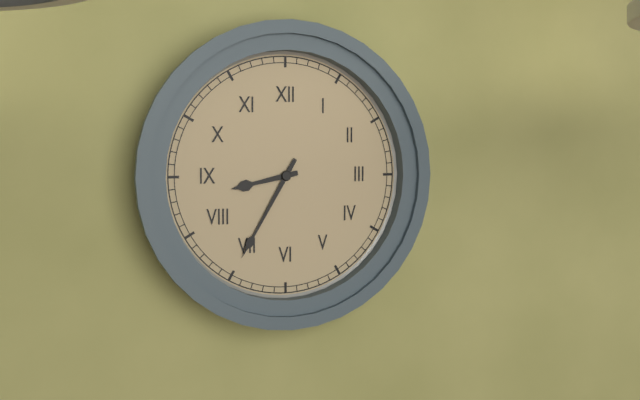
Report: 8:35
